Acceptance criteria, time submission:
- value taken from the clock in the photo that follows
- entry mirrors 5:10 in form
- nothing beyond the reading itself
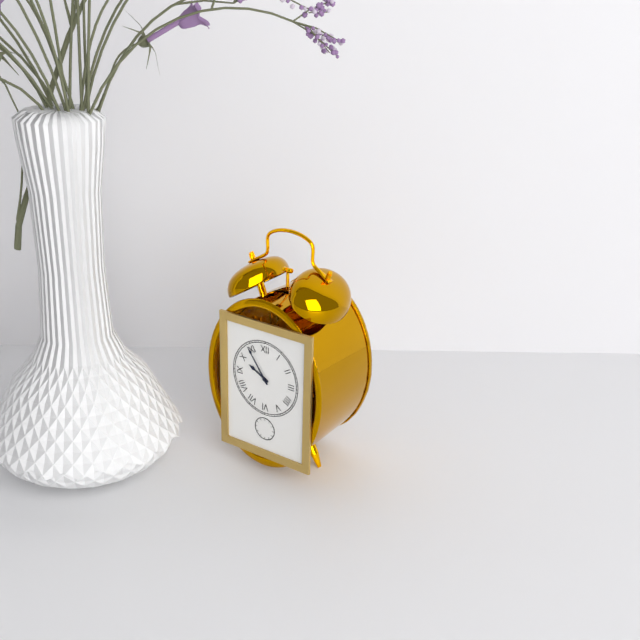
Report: 9:54
